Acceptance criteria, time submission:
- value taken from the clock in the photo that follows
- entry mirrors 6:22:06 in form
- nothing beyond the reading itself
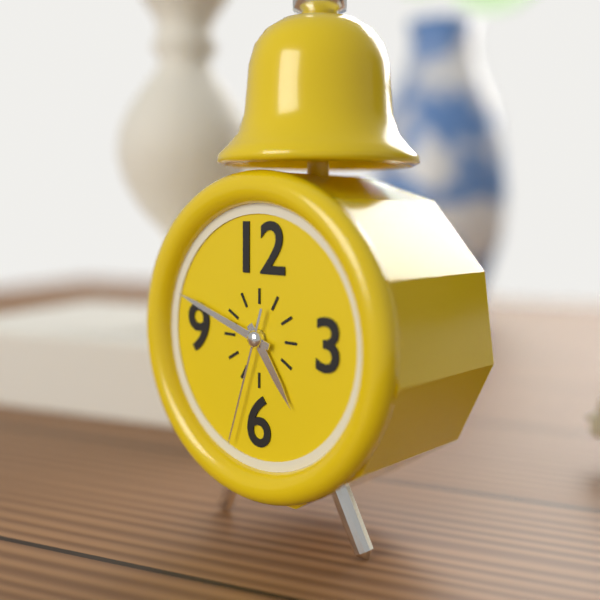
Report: 4:48:33
